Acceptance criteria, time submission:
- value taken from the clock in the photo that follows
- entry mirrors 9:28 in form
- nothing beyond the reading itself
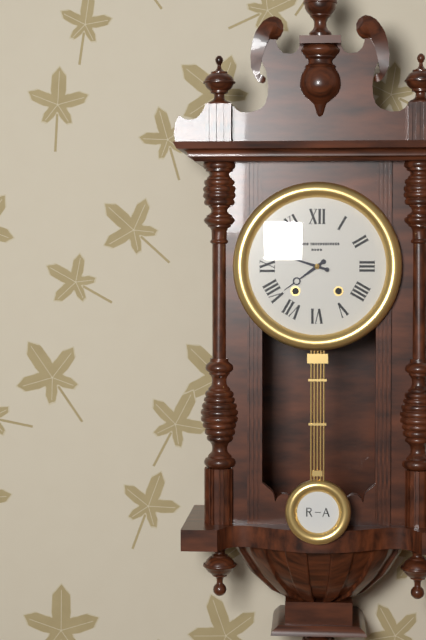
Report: 7:48
